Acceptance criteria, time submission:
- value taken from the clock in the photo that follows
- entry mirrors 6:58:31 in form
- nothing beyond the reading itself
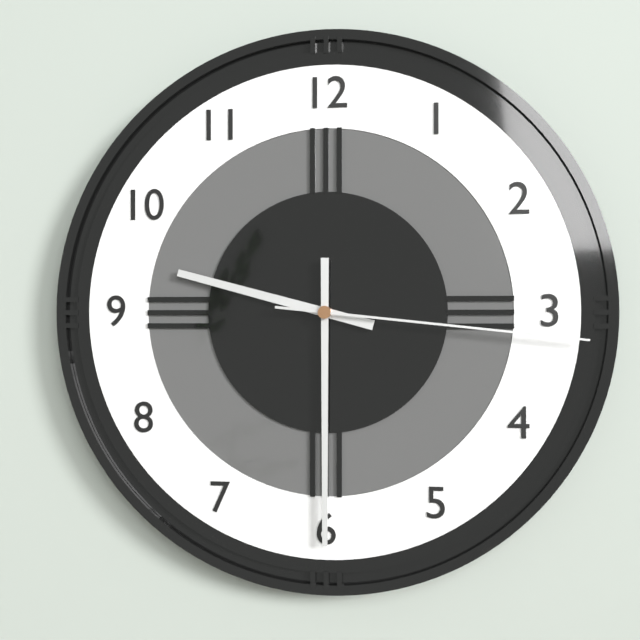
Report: 9:30:16
